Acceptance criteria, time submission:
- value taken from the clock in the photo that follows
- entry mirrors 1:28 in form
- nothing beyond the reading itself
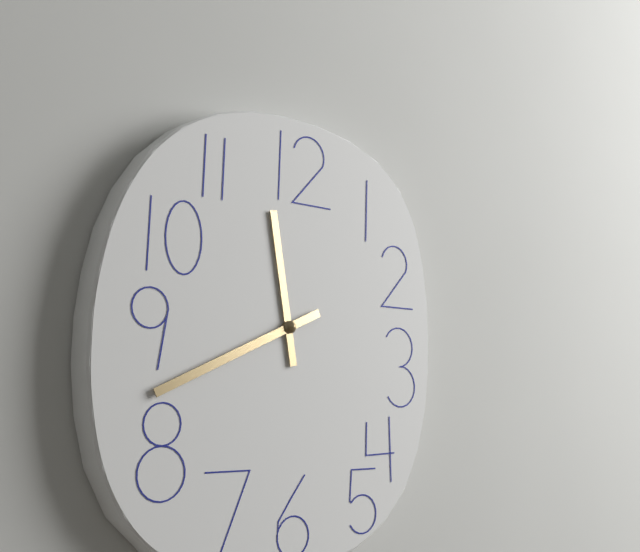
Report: 11:41
